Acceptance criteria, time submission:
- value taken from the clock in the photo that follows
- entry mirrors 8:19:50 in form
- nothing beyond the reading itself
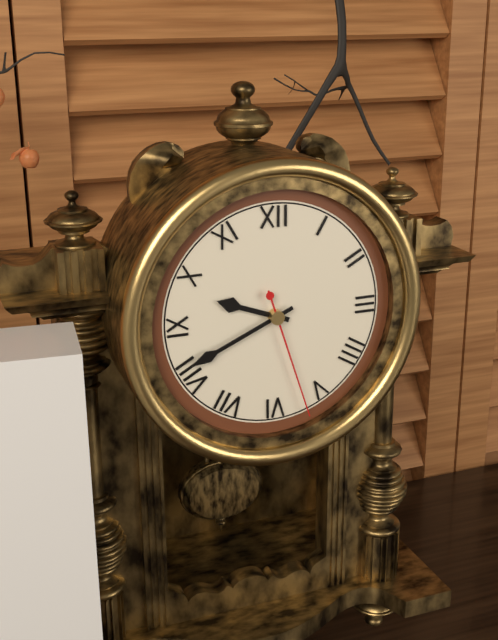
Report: 9:41:27
